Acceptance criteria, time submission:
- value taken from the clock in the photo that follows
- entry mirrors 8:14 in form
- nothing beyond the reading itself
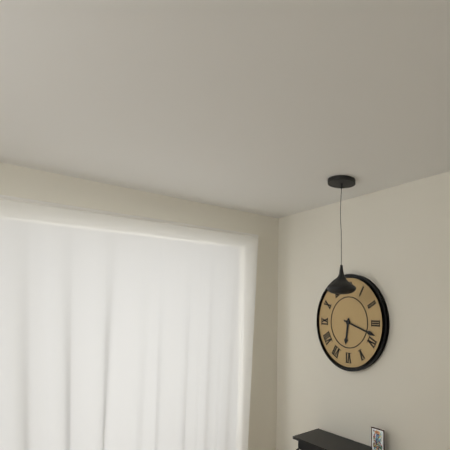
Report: 6:18
